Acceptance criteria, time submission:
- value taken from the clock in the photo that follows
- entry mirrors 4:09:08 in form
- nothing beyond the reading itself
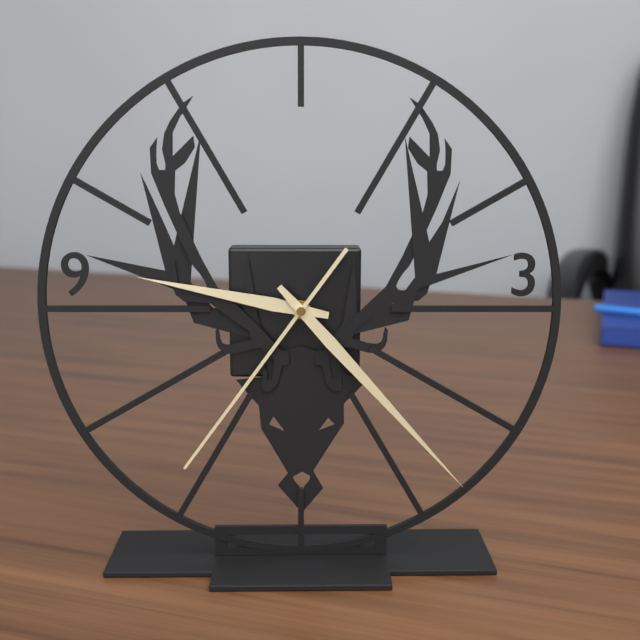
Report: 9:23:36
